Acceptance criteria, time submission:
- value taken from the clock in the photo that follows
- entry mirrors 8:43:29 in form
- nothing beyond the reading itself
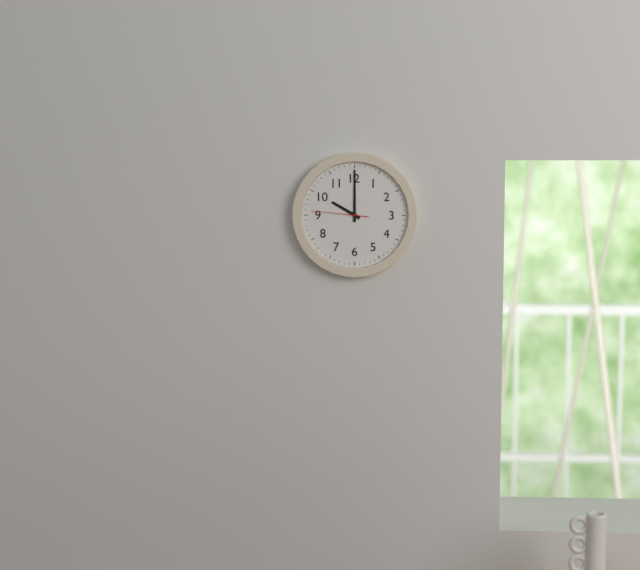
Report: 10:00:46
